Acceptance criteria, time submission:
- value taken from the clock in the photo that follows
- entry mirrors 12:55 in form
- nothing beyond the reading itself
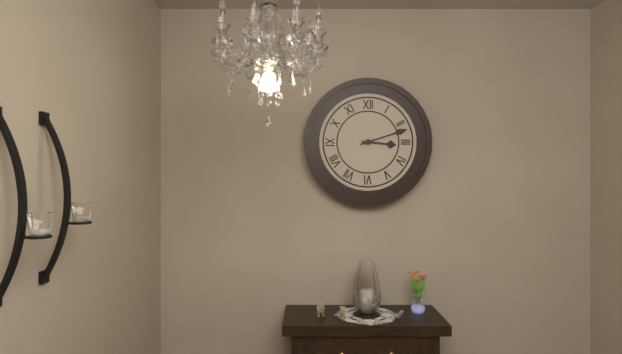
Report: 3:12
